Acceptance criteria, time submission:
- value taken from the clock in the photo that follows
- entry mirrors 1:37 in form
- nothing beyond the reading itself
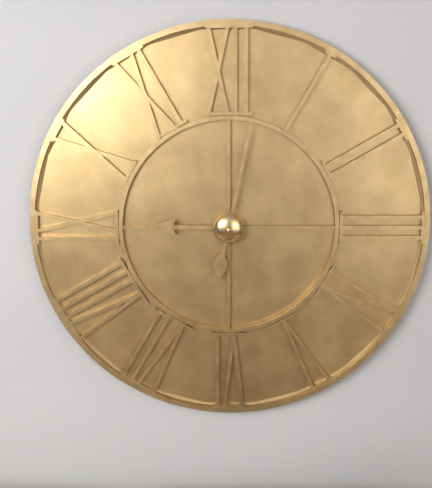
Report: 9:02
